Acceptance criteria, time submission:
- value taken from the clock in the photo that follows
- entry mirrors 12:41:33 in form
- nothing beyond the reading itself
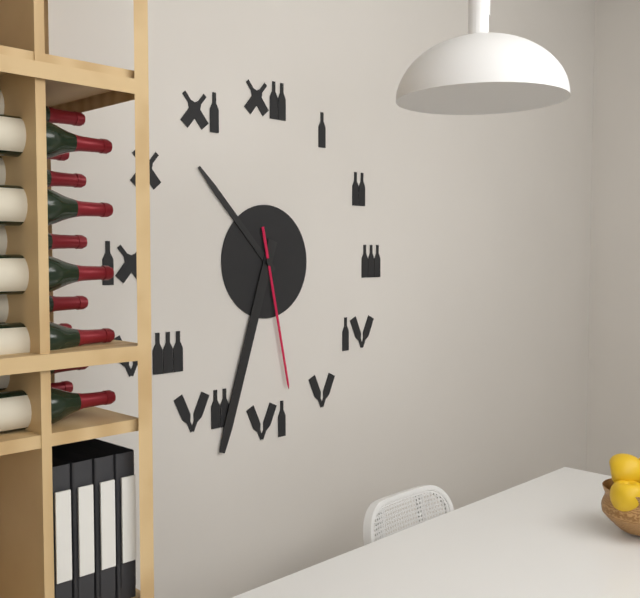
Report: 10:33:28
